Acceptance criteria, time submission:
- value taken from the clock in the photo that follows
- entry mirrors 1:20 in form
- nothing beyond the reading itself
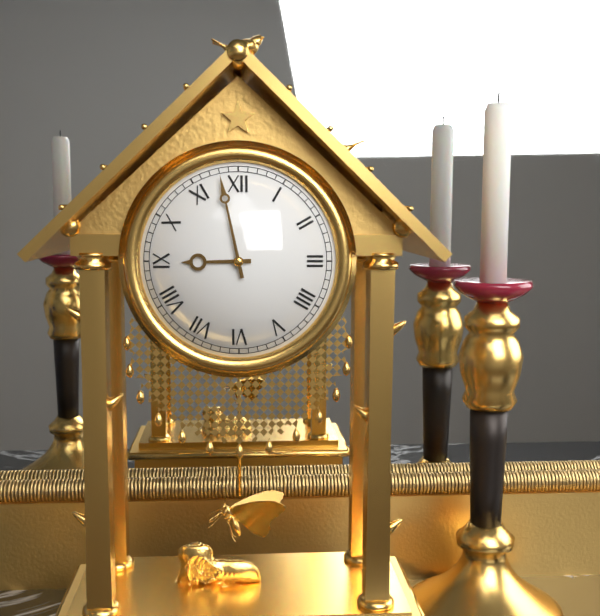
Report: 8:58
